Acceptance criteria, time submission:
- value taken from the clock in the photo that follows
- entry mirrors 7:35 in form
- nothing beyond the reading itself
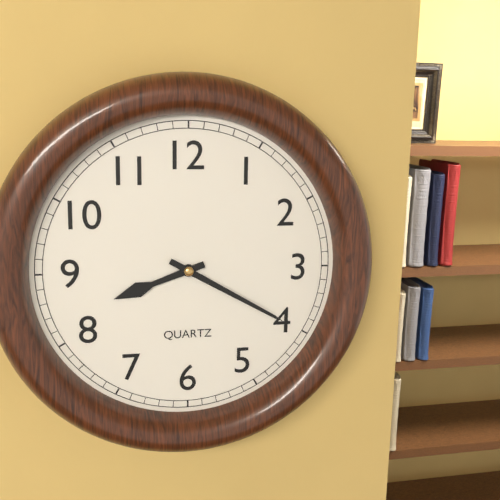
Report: 8:20
